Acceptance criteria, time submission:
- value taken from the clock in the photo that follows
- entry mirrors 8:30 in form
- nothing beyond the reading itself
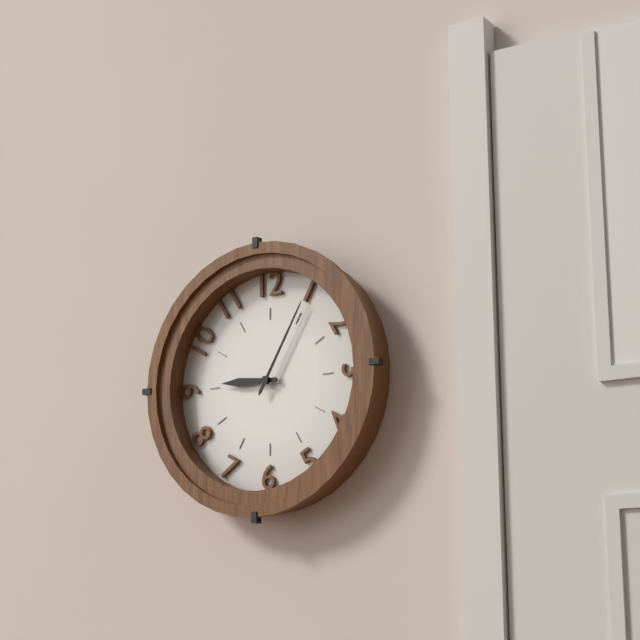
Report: 9:05
